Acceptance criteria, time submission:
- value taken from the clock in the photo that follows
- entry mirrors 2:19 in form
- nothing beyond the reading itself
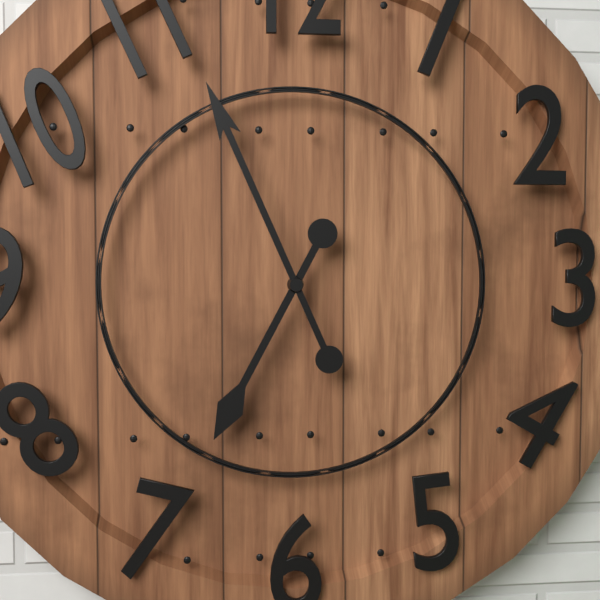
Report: 6:56
